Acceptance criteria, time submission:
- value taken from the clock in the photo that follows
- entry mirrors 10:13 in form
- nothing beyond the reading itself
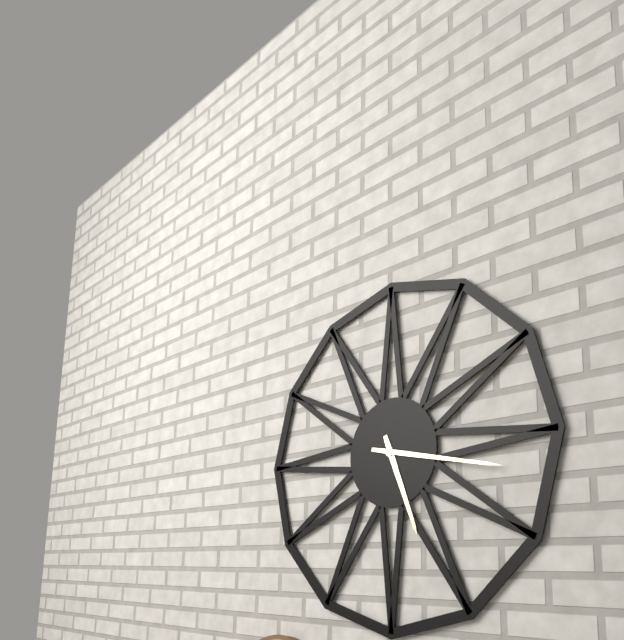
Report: 5:17
